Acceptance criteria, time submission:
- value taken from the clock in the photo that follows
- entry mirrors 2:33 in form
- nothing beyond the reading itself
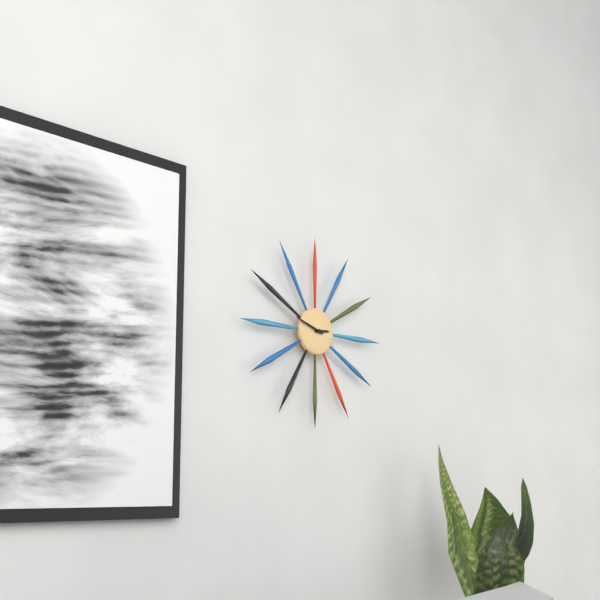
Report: 2:48
